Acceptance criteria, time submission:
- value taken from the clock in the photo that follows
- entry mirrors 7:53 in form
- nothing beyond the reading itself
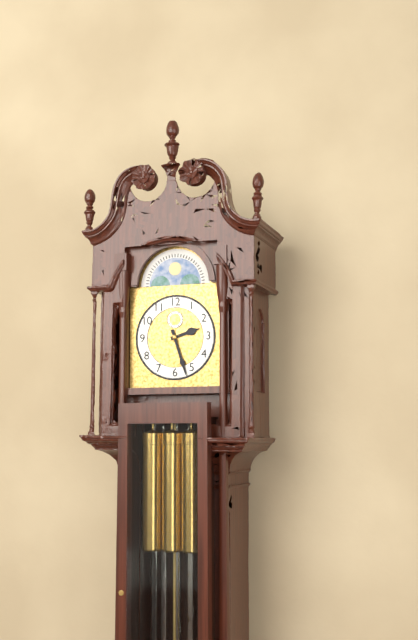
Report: 2:27
